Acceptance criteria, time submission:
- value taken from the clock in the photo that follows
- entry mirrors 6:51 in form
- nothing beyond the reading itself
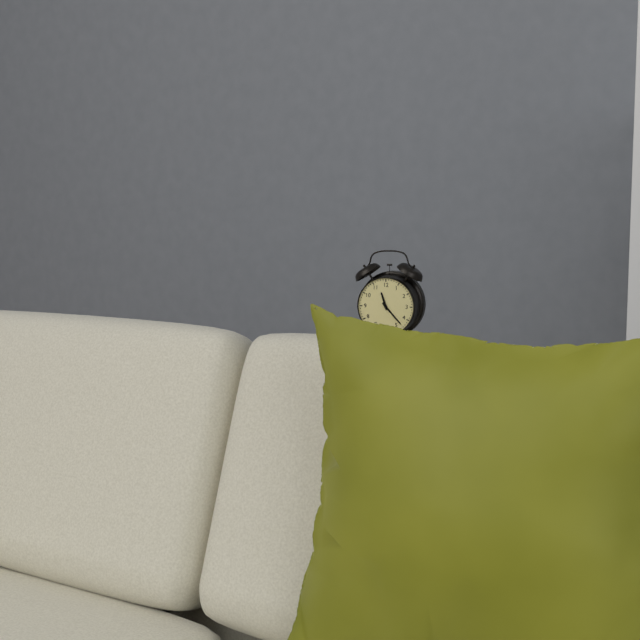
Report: 11:23
